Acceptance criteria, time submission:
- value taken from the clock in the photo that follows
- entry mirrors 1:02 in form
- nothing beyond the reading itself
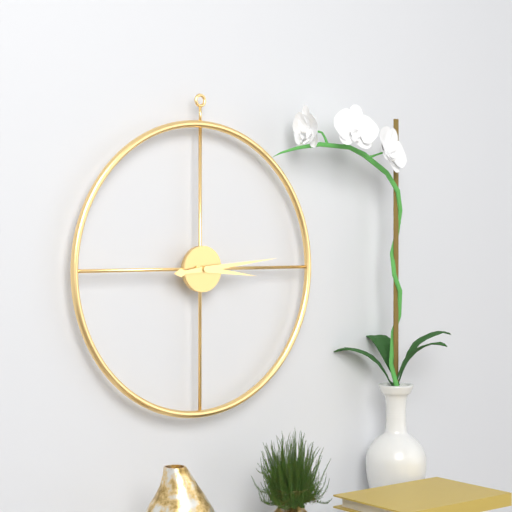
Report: 3:14
